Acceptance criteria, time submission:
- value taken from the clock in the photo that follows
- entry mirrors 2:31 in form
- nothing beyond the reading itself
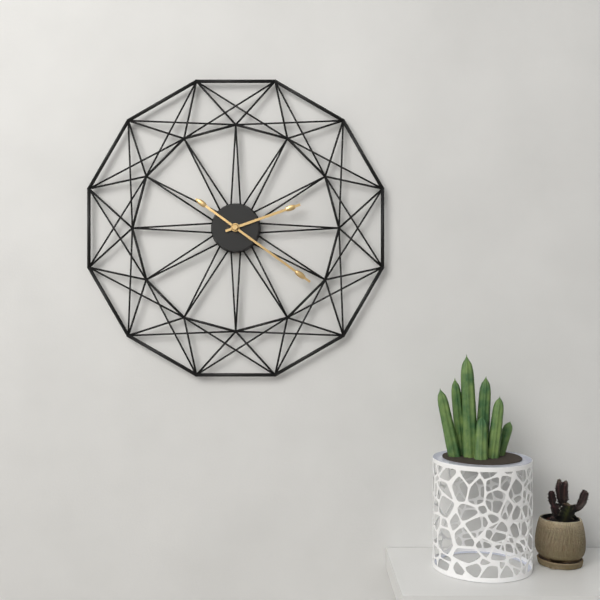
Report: 2:21
